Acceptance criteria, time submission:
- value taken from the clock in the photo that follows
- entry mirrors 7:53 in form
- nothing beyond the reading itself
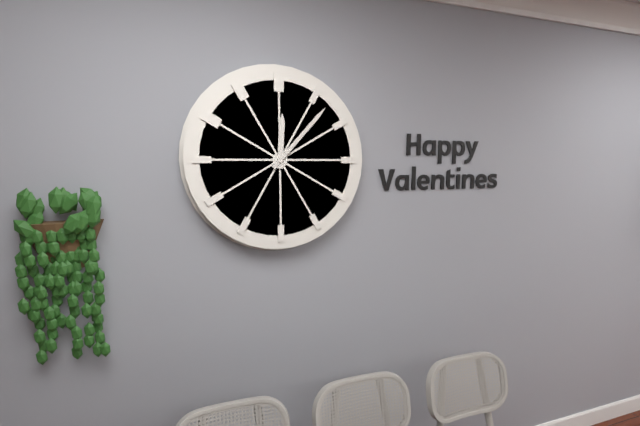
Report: 12:07
